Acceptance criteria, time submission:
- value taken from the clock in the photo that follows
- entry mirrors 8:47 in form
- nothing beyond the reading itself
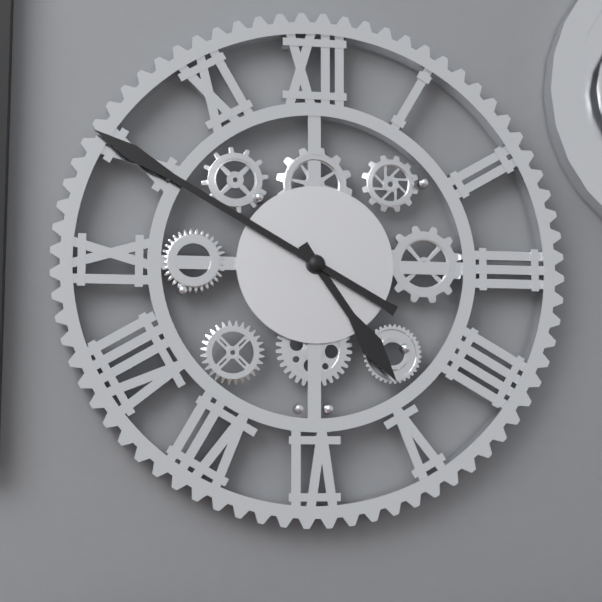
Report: 4:50
